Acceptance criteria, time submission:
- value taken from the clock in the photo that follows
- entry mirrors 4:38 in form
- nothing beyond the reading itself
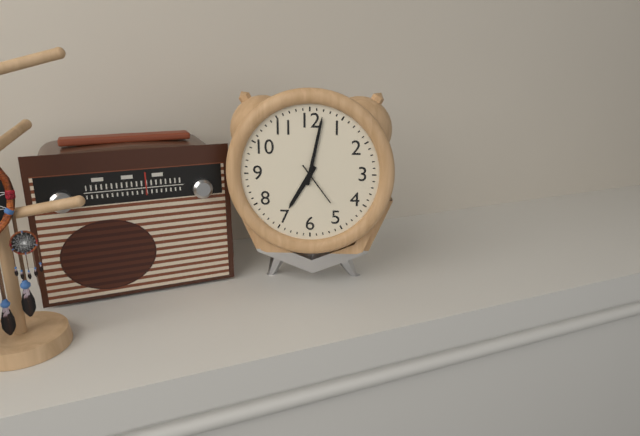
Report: 7:02
